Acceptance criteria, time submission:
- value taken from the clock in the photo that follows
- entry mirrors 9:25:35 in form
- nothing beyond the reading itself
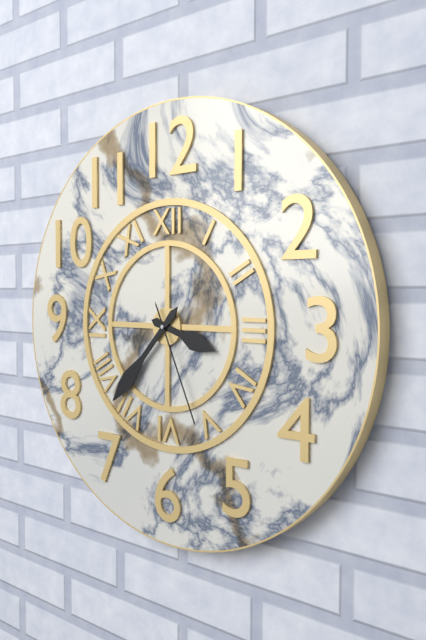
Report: 3:37:26
